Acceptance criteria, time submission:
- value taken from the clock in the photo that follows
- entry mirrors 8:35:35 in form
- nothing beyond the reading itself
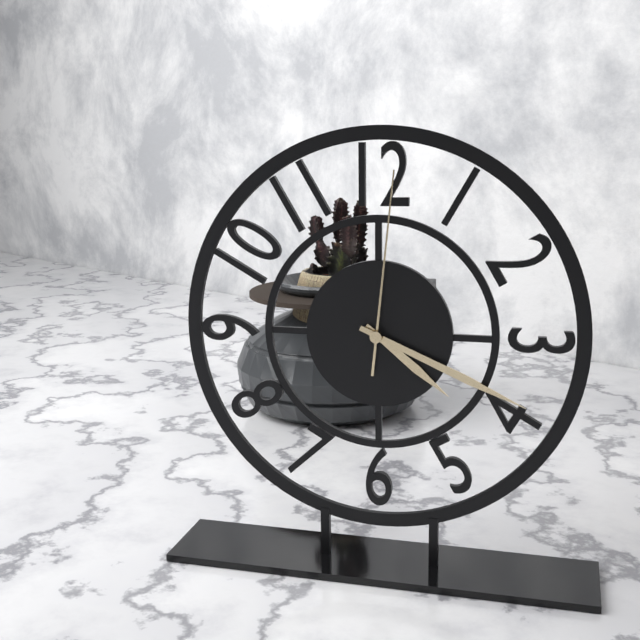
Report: 4:19:01
